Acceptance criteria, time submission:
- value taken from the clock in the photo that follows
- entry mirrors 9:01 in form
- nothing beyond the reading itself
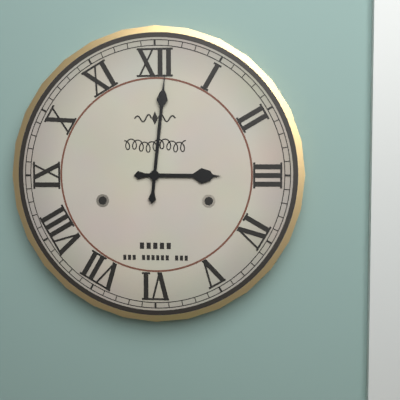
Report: 3:01
